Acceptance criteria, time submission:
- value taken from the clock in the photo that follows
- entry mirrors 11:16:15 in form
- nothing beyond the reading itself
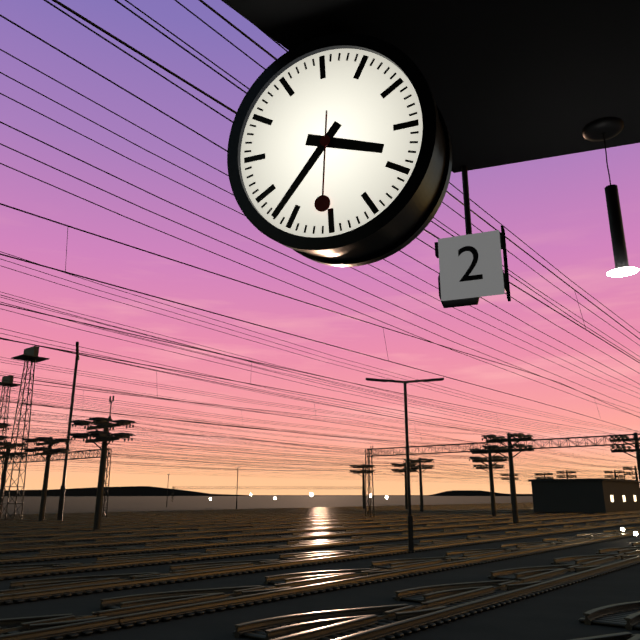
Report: 3:37:31
